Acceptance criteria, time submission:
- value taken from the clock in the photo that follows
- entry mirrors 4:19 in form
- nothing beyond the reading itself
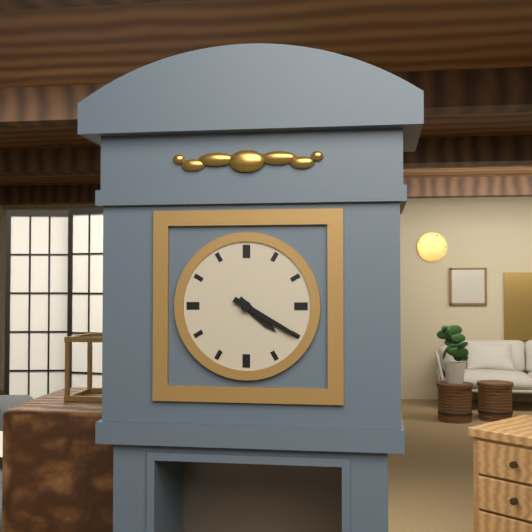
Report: 4:20
